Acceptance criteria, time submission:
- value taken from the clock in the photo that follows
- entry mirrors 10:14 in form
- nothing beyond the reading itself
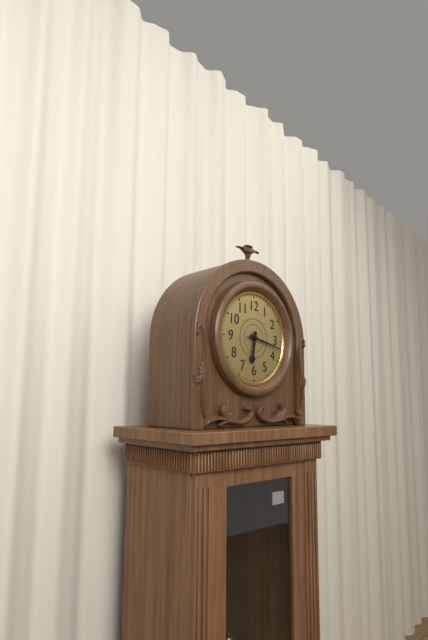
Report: 6:17
